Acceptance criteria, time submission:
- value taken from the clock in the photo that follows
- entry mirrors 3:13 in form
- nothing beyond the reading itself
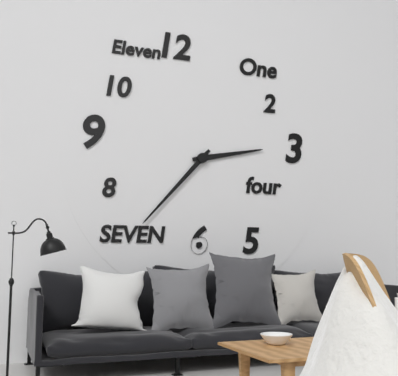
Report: 2:37
